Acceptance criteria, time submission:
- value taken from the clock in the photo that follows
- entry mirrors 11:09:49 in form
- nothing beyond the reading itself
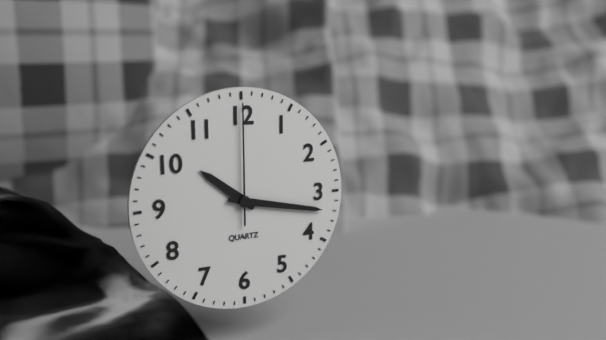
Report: 10:17:00
